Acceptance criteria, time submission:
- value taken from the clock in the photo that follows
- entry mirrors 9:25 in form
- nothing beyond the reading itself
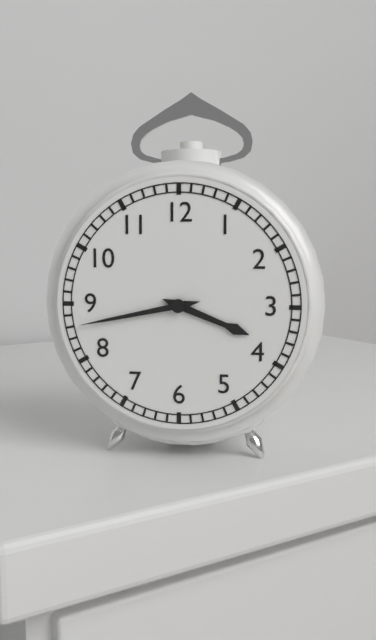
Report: 3:43
